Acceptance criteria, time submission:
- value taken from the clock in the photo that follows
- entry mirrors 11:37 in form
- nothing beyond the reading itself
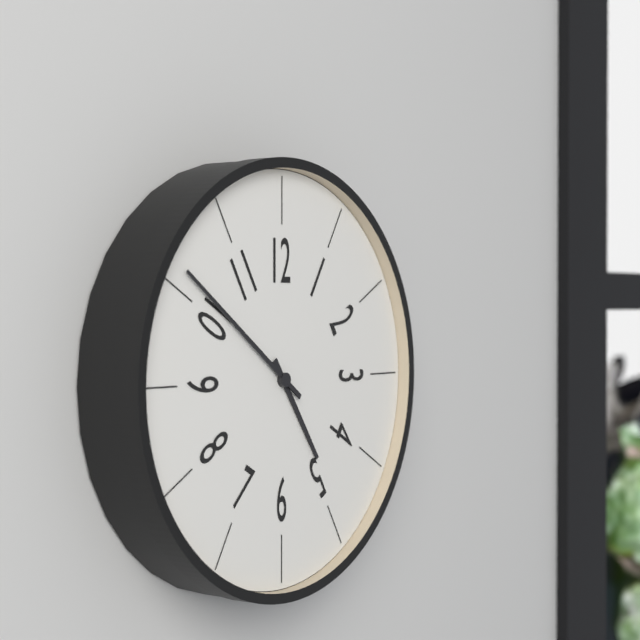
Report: 4:51
